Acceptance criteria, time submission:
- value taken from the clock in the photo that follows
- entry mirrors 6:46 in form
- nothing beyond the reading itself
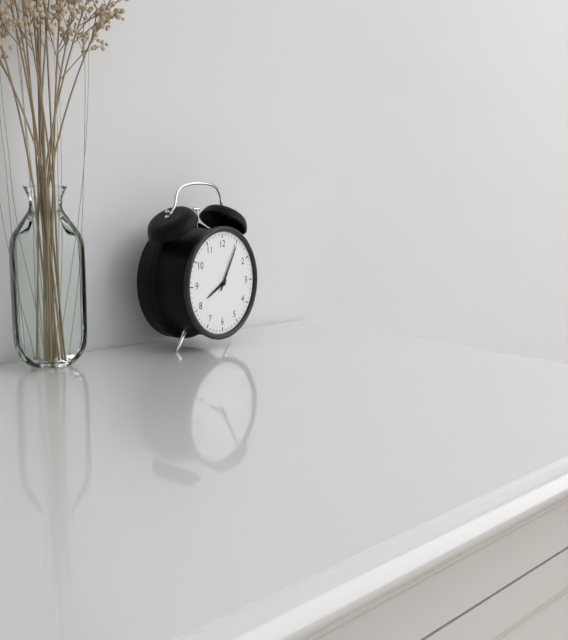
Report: 8:05
